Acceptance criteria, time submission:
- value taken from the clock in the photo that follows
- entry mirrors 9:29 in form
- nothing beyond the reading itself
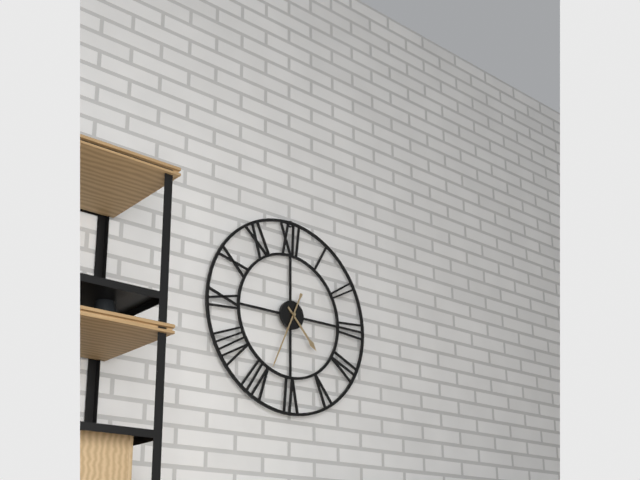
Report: 4:34
